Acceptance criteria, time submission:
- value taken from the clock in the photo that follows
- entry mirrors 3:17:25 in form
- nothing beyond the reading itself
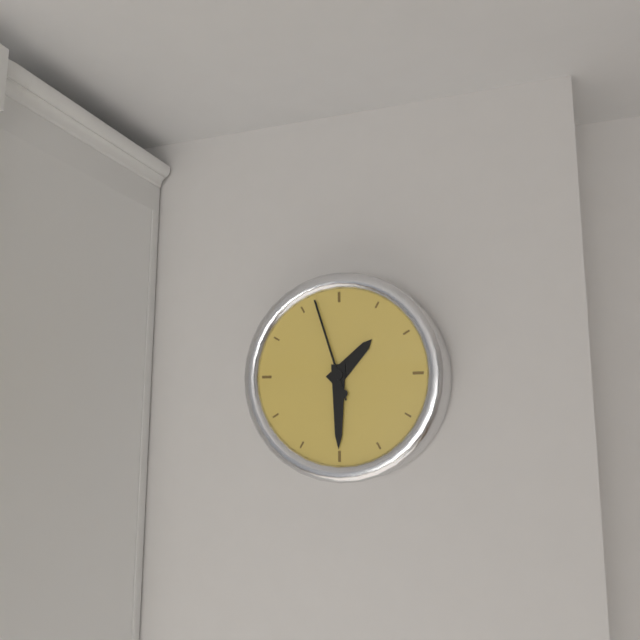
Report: 1:30:57
